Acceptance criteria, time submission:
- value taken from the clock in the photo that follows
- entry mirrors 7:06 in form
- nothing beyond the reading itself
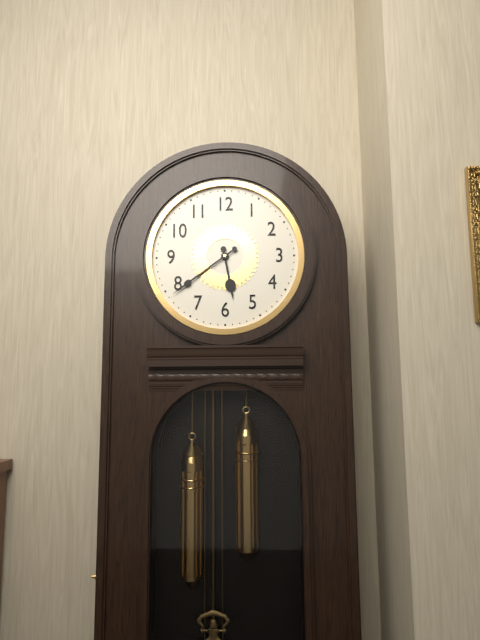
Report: 5:39
